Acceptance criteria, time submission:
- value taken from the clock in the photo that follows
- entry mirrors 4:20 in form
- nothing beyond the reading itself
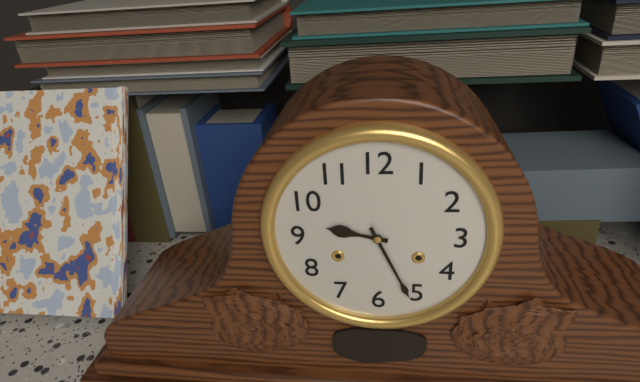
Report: 9:26
